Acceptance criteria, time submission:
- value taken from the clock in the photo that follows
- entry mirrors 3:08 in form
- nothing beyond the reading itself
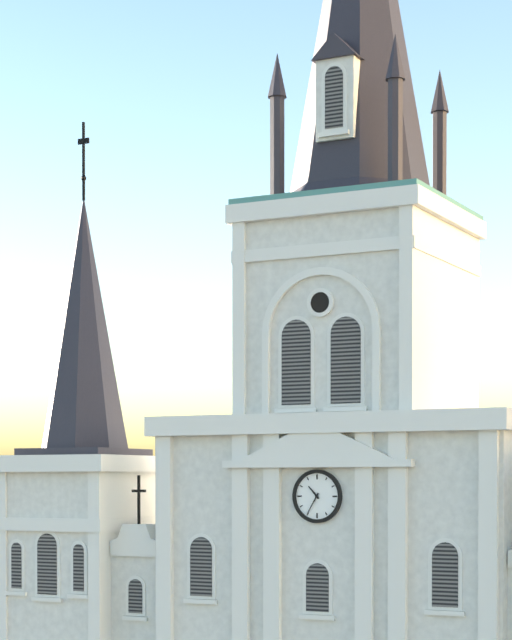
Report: 10:35
